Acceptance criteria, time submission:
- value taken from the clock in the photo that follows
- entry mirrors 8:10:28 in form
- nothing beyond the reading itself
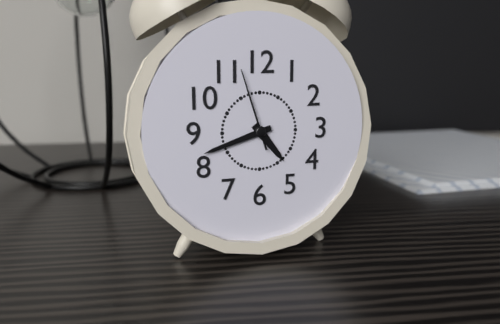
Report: 4:42:57
